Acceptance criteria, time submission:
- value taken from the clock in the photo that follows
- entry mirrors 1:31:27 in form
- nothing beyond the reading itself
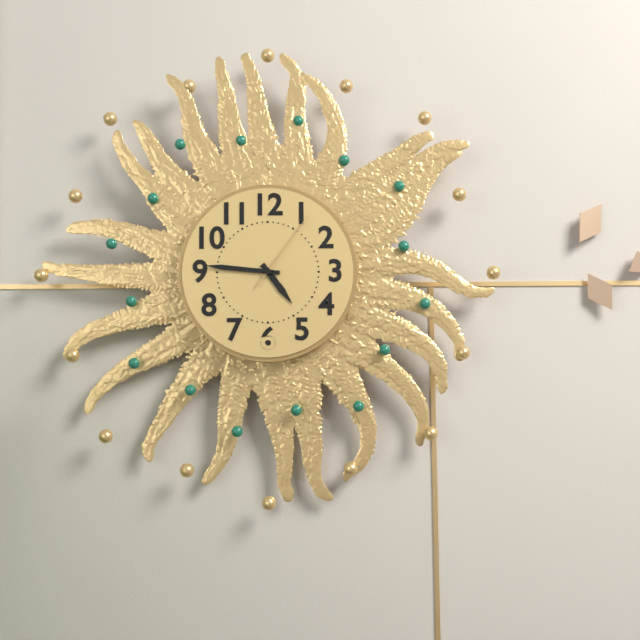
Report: 4:46:06
